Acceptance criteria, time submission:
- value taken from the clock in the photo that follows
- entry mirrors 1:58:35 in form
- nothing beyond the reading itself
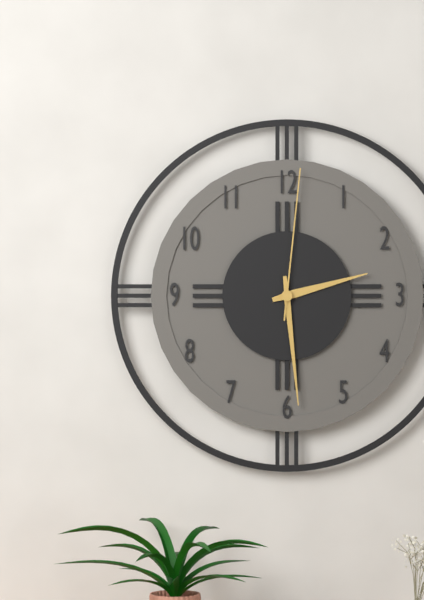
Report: 2:29:01
